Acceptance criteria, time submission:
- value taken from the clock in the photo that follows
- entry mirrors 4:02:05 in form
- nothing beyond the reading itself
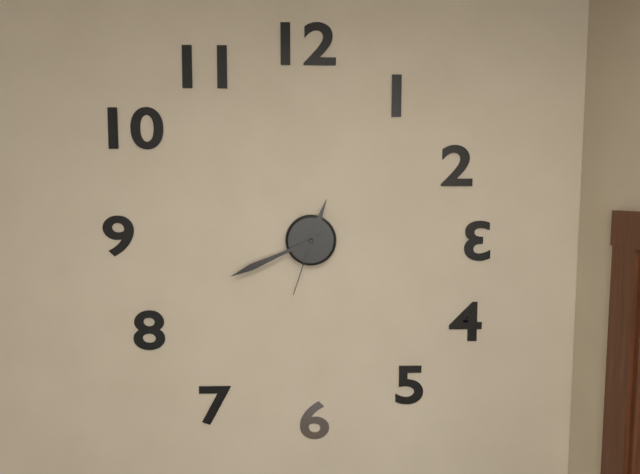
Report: 12:41:33
